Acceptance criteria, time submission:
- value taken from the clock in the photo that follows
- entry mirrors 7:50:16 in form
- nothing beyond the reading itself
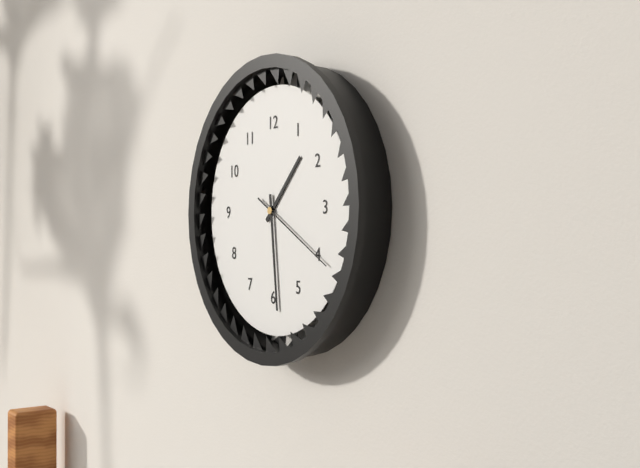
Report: 1:29:20
